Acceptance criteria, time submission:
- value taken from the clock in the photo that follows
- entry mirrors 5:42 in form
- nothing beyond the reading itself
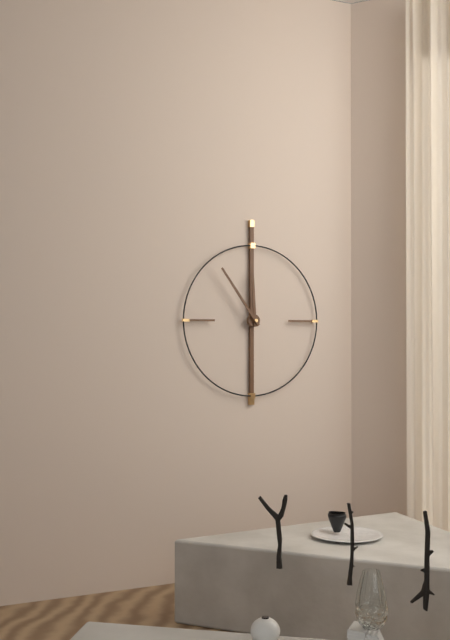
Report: 11:54
